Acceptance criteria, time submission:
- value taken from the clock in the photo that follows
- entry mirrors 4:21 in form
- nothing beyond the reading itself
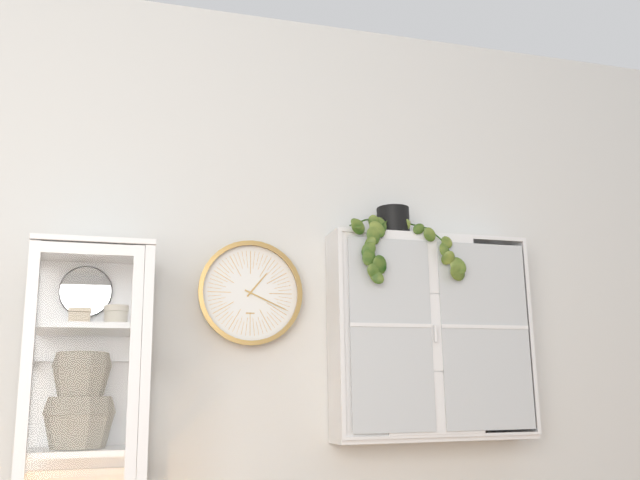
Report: 1:19
